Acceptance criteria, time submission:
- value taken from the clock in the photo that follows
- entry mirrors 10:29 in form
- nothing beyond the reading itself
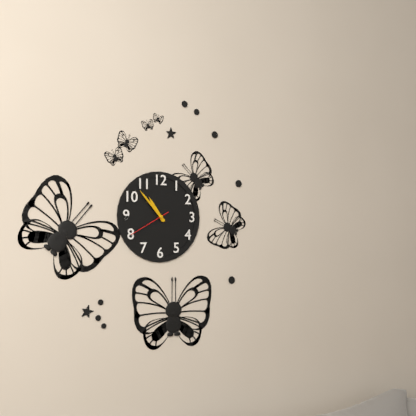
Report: 10:53
